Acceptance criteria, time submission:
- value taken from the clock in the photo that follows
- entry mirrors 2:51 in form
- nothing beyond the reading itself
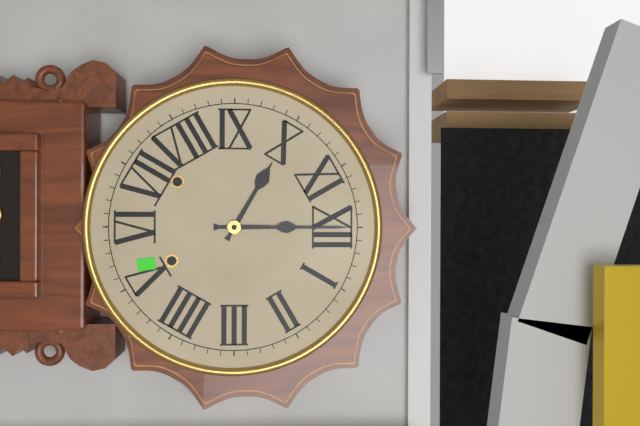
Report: 10:00
